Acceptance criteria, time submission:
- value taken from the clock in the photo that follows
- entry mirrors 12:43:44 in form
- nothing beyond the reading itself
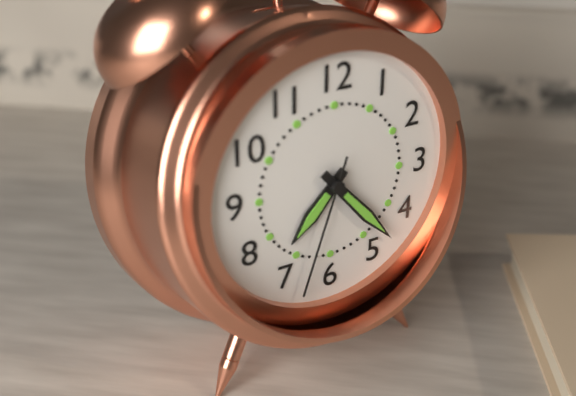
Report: 7:23:33
